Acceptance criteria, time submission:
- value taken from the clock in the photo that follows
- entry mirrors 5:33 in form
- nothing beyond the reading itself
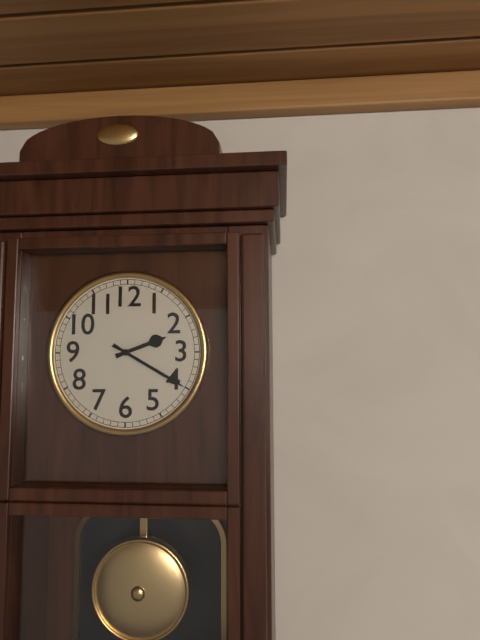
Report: 2:20
